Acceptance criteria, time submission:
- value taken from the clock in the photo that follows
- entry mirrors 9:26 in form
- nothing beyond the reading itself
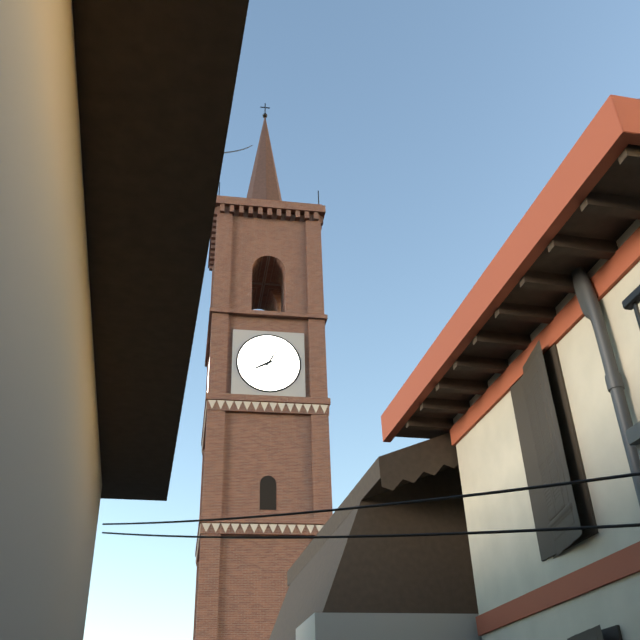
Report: 8:05
